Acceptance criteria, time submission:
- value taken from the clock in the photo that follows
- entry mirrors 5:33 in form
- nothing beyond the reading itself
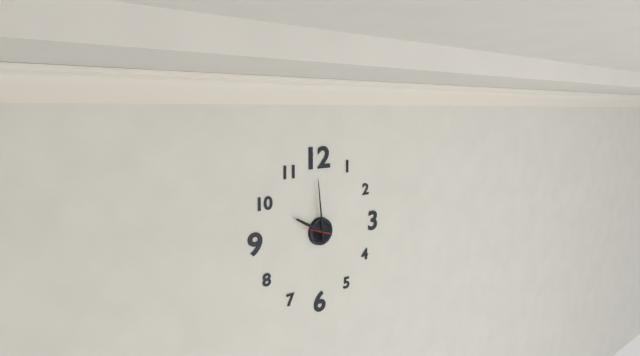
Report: 9:59
